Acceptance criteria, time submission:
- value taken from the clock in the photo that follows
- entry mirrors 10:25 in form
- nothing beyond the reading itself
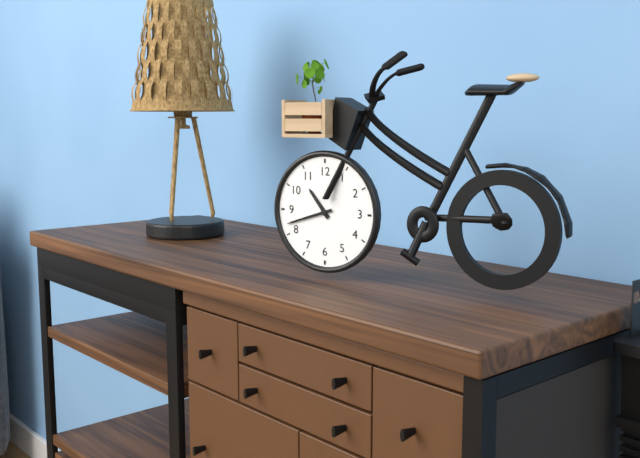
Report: 10:42
